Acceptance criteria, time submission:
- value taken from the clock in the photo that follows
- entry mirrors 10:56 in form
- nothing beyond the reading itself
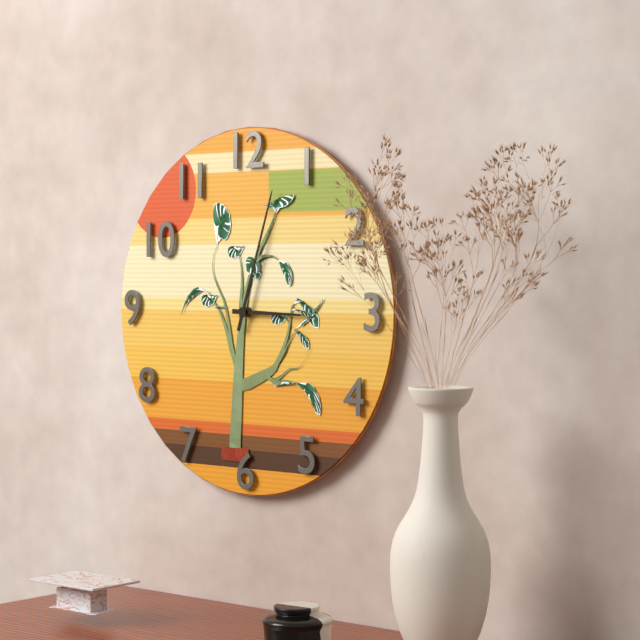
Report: 3:03
